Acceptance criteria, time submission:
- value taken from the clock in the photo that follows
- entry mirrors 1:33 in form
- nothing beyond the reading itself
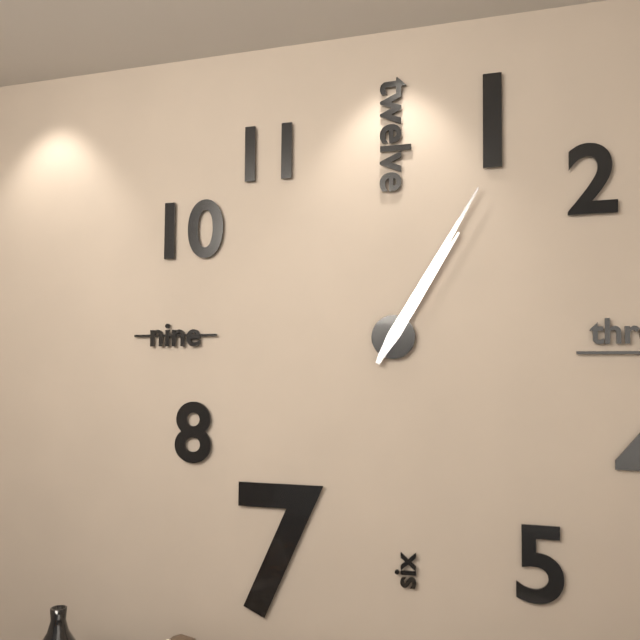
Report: 1:05
